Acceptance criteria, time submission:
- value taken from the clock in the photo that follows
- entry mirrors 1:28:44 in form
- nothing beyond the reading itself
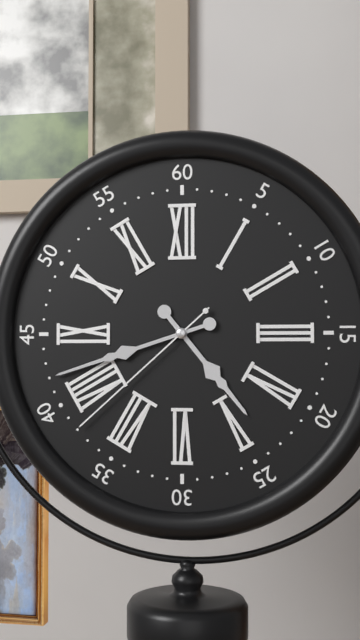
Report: 4:42:38
